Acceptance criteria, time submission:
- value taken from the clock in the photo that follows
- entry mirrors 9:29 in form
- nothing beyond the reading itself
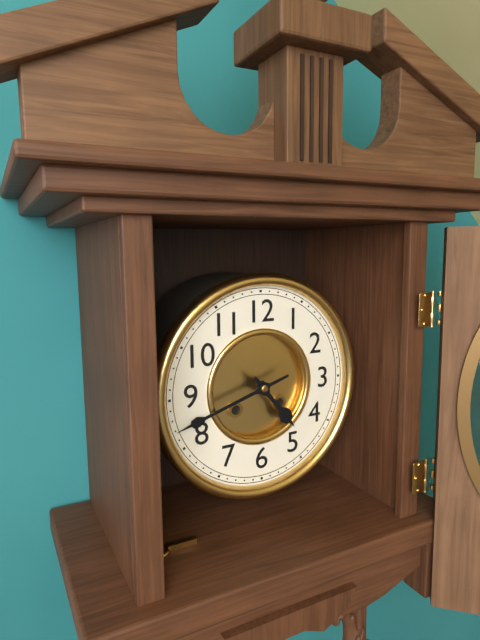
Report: 4:42
